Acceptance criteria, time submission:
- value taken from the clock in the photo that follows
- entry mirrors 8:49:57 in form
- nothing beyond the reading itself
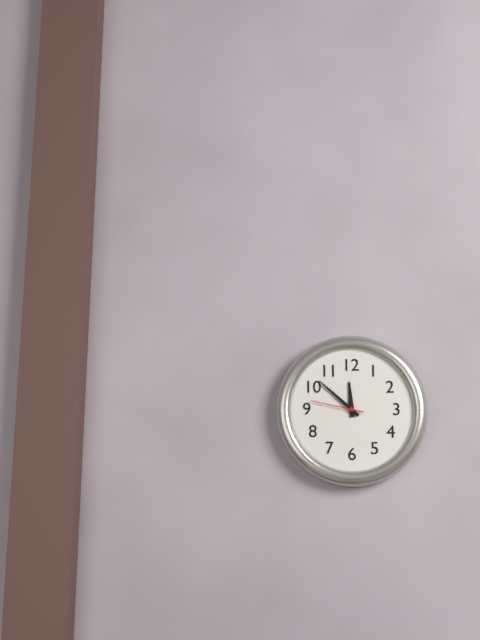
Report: 11:52:47
